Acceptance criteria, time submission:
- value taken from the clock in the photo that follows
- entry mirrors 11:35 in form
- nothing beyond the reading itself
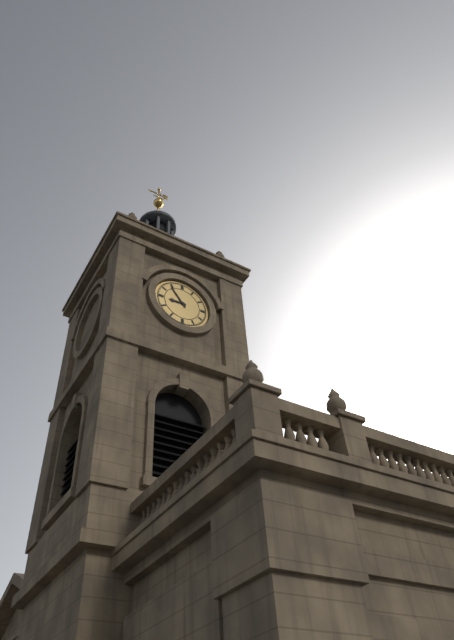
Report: 8:54
